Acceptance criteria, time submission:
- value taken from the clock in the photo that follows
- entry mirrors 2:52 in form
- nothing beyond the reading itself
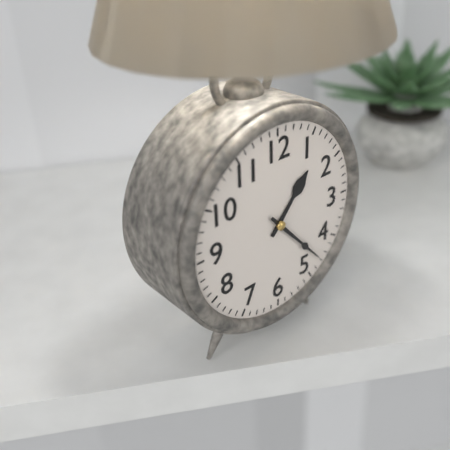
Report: 1:23
